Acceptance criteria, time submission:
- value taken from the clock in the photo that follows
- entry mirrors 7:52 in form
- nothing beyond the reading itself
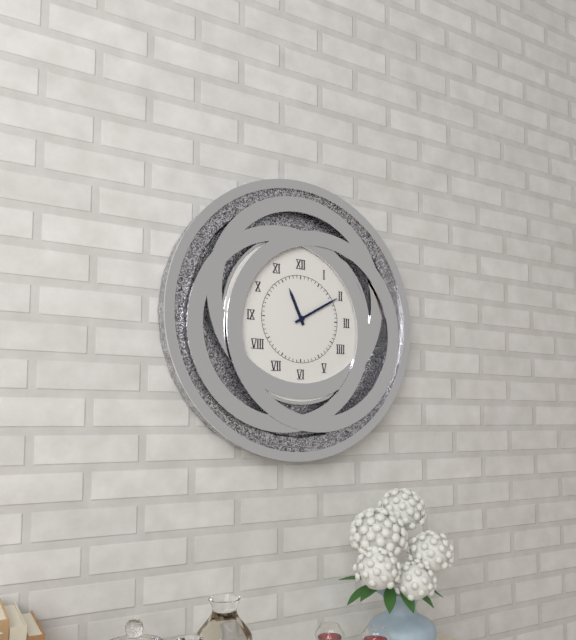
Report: 11:10
